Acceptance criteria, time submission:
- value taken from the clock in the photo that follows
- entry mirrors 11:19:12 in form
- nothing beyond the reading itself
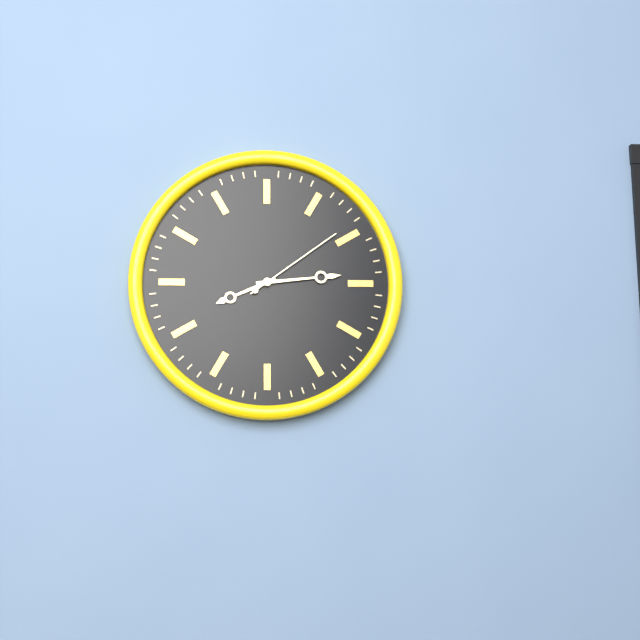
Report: 8:14:09
